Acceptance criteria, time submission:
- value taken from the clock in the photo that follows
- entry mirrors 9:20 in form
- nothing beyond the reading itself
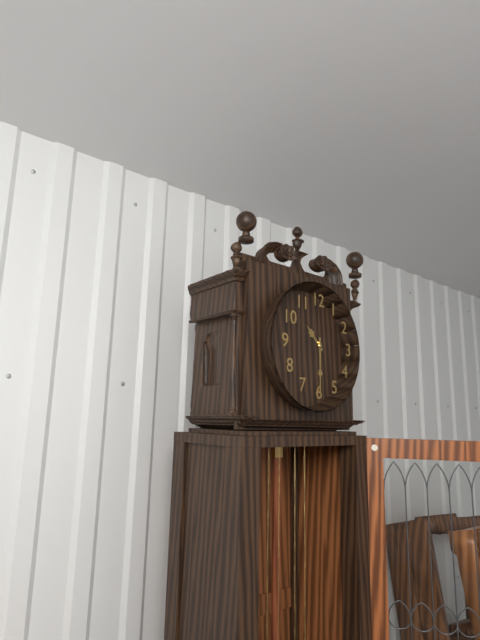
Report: 10:30
